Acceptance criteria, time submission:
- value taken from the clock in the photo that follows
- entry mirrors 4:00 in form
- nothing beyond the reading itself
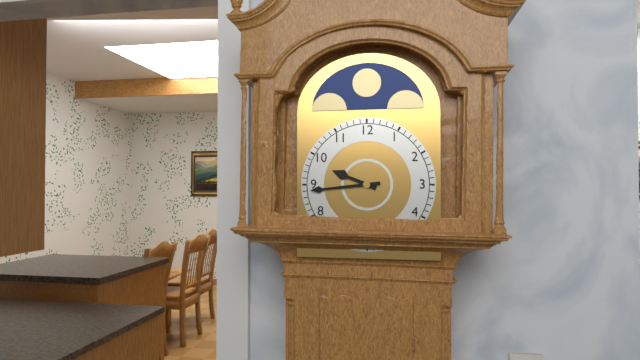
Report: 9:44
